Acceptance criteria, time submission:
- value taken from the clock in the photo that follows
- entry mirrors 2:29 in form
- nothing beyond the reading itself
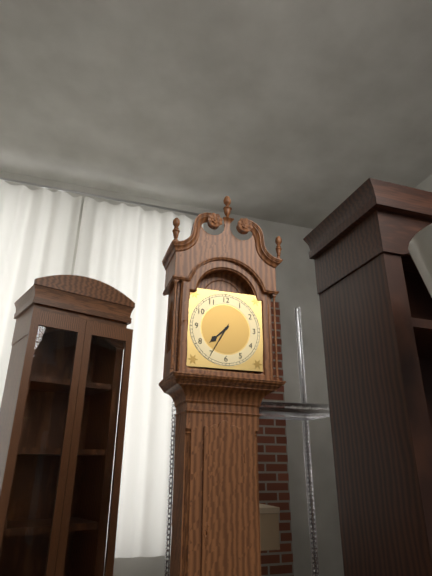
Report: 7:35
